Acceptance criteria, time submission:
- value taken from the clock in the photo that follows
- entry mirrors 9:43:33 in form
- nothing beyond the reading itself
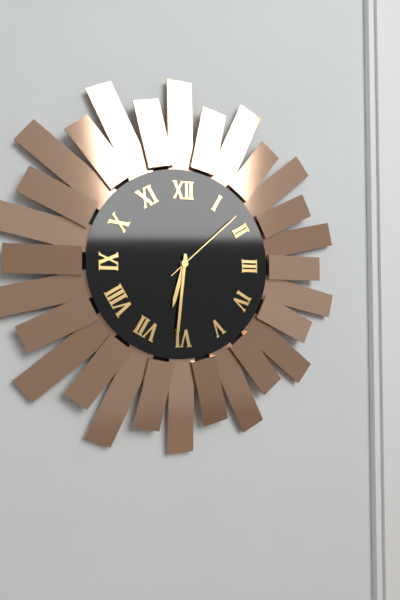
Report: 6:31:08
